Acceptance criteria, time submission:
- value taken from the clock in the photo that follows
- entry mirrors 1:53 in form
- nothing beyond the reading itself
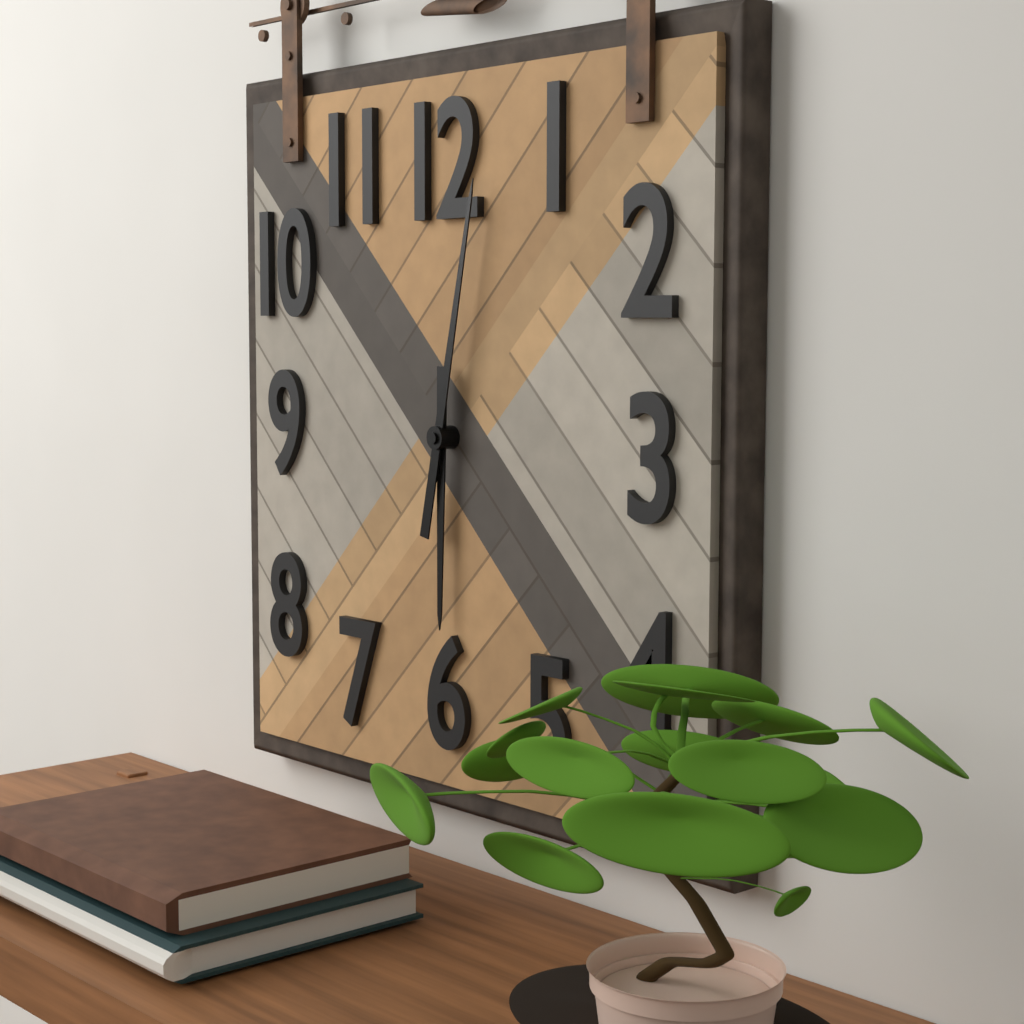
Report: 6:02
